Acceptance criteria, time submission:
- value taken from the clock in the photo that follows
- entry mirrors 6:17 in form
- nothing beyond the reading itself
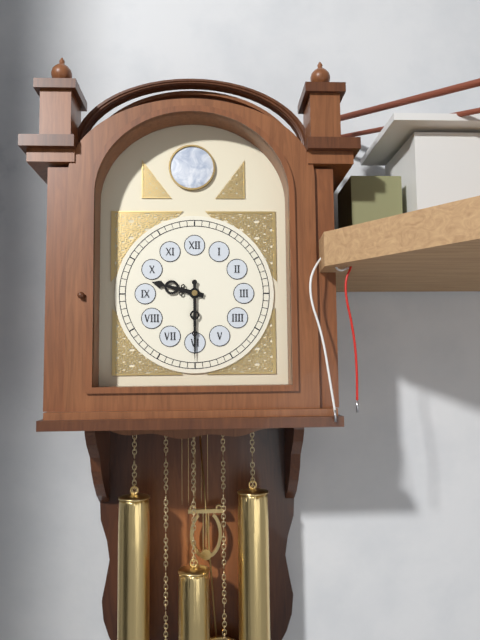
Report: 9:30
